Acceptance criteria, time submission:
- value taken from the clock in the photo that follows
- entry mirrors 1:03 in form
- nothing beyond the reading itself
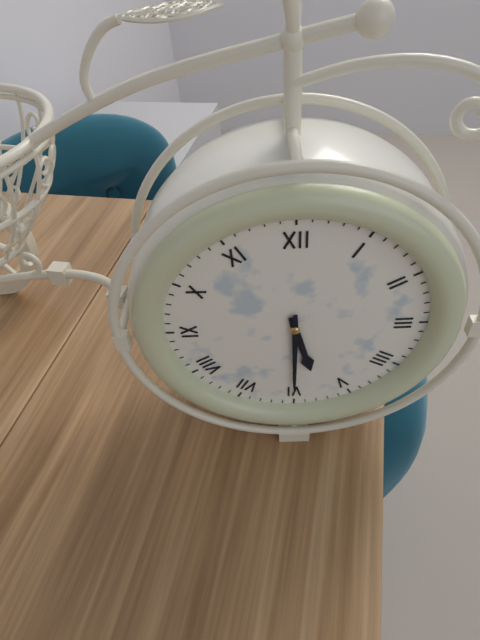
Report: 5:30
